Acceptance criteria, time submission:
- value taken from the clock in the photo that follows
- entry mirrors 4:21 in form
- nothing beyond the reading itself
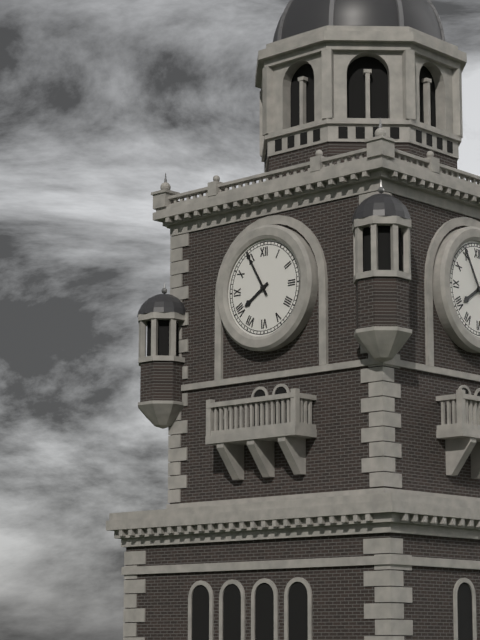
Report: 7:55
